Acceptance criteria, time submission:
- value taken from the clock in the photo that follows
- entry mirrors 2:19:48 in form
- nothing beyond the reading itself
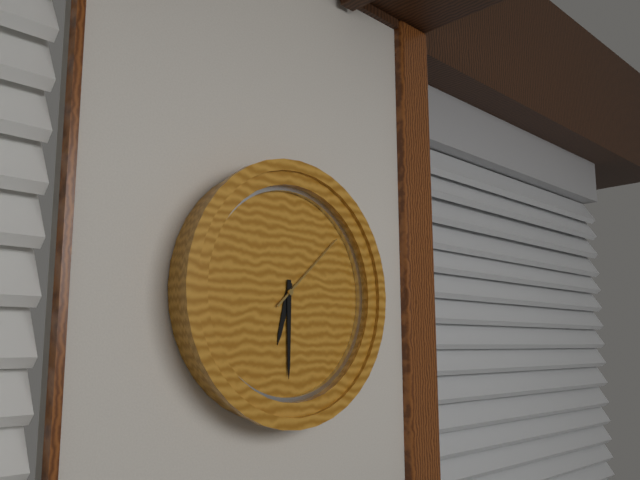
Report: 6:30:08
